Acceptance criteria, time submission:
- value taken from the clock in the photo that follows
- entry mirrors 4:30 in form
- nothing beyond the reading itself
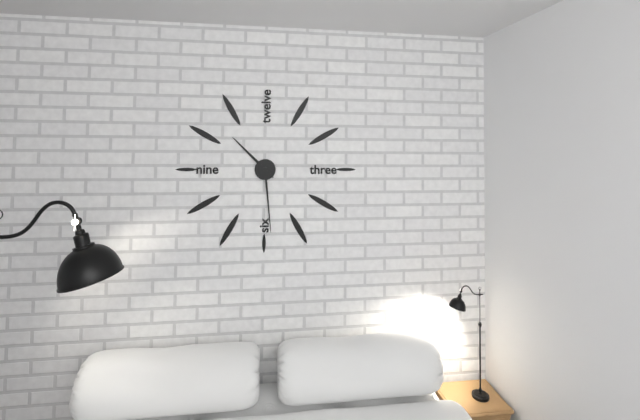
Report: 10:29
